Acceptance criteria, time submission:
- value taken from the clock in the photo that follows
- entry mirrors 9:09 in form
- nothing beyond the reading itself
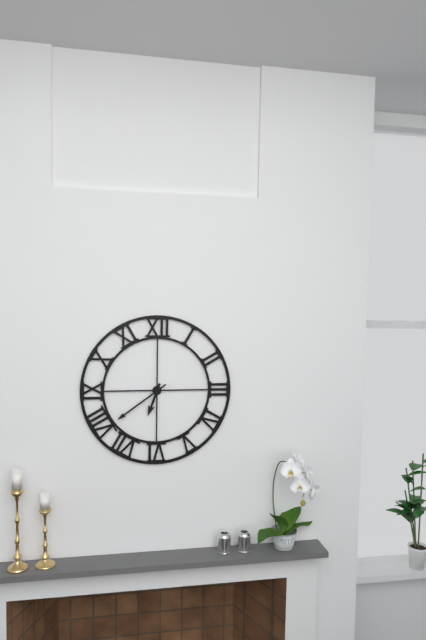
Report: 6:39
